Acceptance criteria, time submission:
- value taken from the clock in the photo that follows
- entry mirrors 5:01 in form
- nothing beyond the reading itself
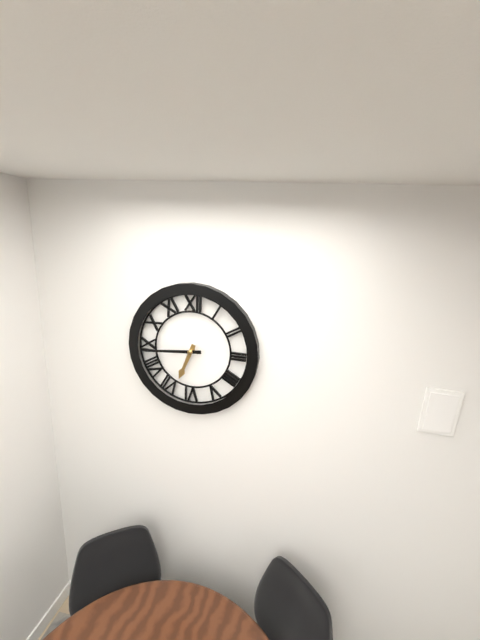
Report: 6:44
